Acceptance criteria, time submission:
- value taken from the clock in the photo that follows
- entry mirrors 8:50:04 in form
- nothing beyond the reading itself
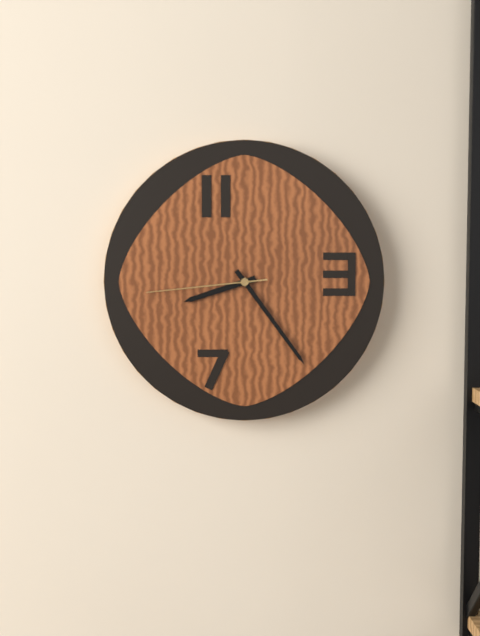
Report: 8:24:44
